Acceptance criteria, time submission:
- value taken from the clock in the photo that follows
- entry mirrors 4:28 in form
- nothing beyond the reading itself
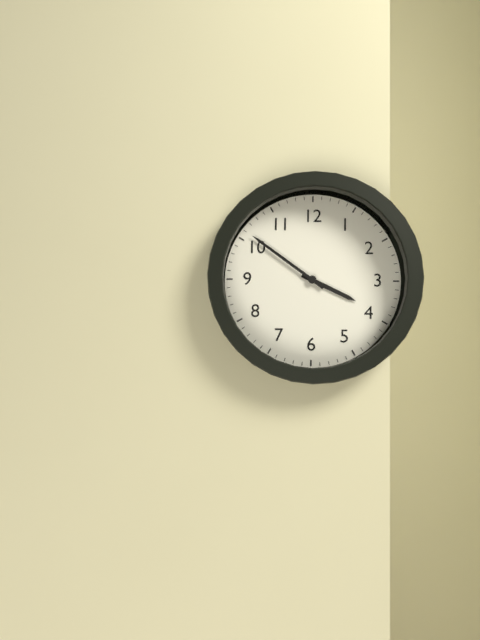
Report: 3:51
